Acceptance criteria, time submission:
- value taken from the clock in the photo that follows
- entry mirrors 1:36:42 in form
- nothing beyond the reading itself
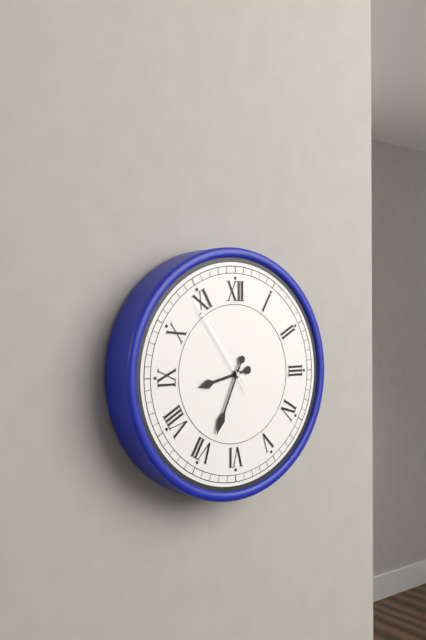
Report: 8:34:54
